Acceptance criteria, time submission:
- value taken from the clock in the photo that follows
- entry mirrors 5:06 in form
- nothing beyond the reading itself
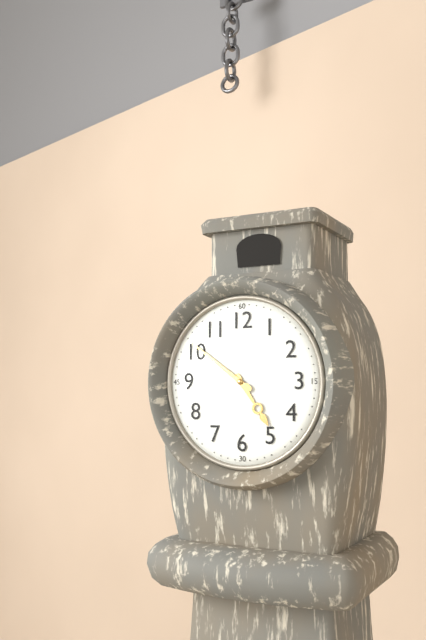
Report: 4:51
